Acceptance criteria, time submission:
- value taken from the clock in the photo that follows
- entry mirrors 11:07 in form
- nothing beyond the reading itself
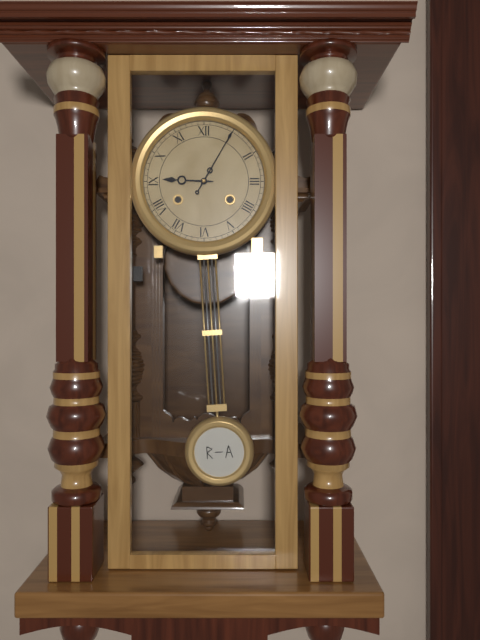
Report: 9:05
